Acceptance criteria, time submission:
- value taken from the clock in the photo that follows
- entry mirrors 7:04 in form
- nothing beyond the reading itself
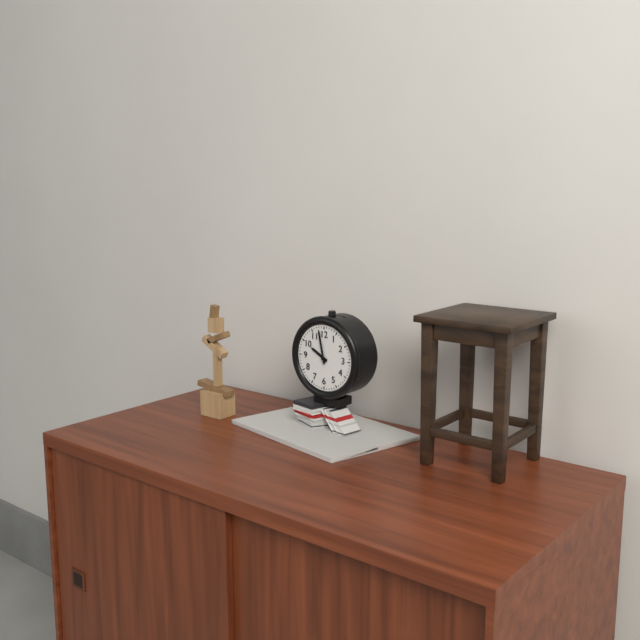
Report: 9:58
